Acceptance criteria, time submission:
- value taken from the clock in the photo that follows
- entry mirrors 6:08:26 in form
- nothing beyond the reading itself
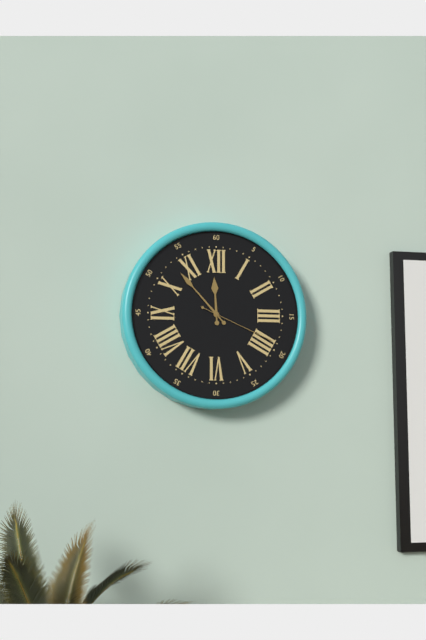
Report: 11:53:19
